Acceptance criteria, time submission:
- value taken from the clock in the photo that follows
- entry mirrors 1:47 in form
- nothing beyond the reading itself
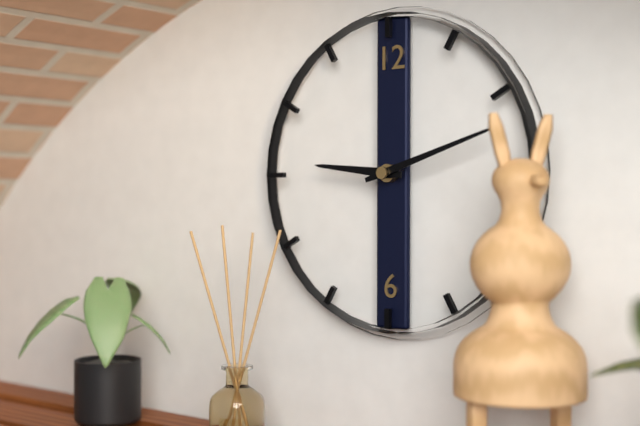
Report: 9:12
